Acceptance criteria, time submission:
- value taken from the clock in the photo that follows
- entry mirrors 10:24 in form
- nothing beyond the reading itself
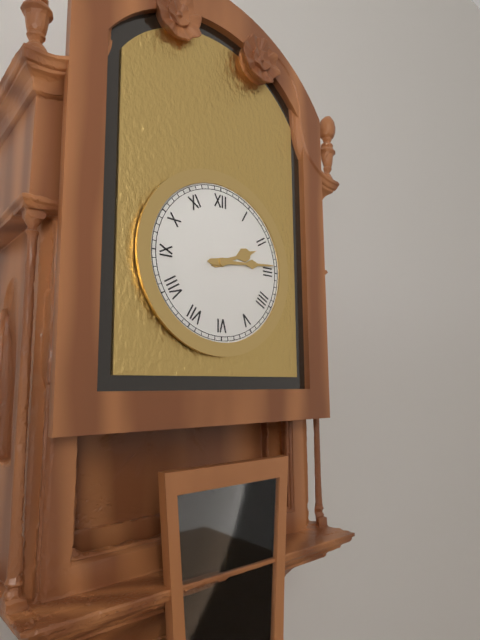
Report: 2:14
